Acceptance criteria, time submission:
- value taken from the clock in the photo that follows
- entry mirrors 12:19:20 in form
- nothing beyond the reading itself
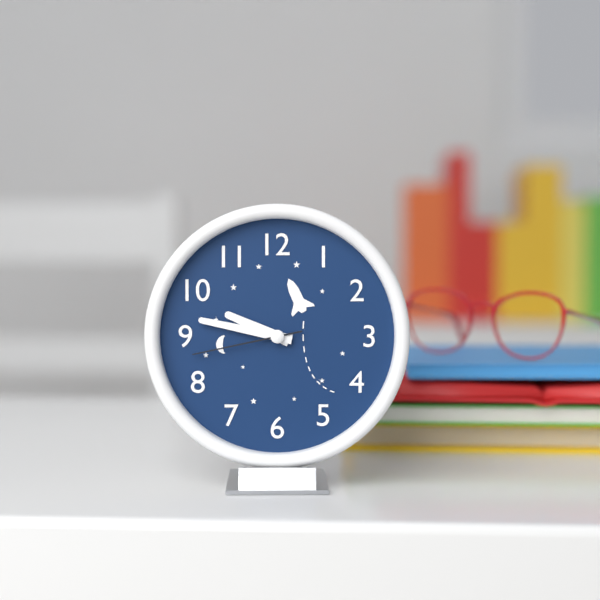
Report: 9:47:43
